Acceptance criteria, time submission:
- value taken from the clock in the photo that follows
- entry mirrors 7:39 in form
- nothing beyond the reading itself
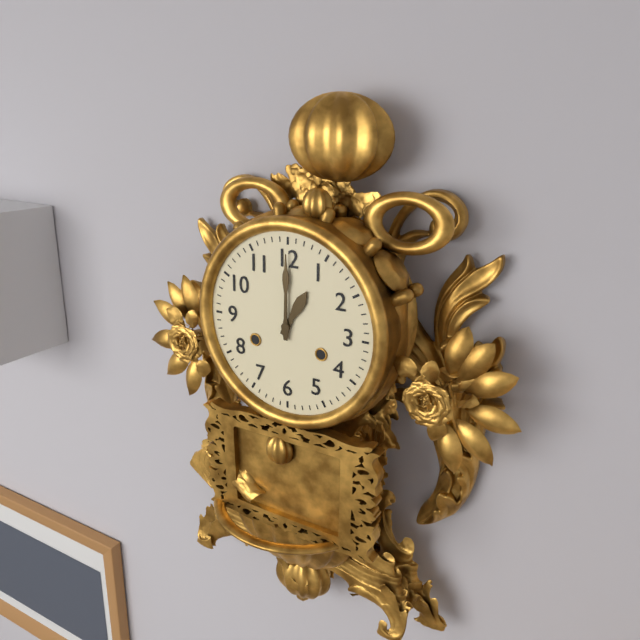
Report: 1:00
